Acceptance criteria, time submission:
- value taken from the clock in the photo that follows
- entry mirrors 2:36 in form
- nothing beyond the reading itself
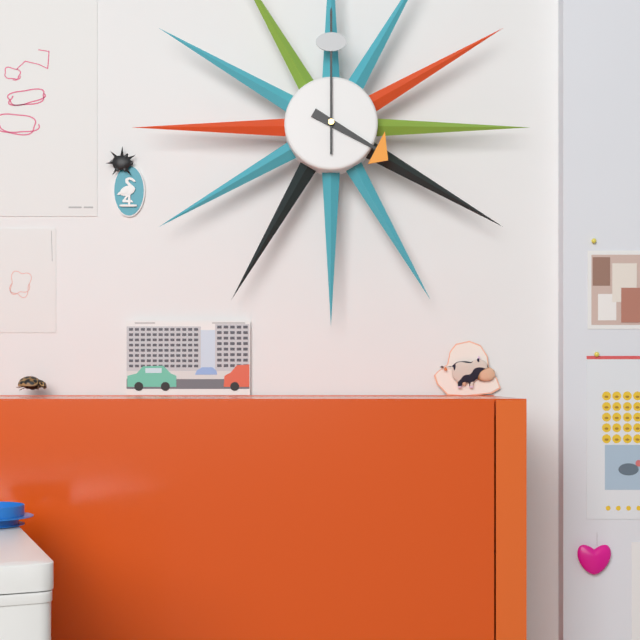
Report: 4:00
